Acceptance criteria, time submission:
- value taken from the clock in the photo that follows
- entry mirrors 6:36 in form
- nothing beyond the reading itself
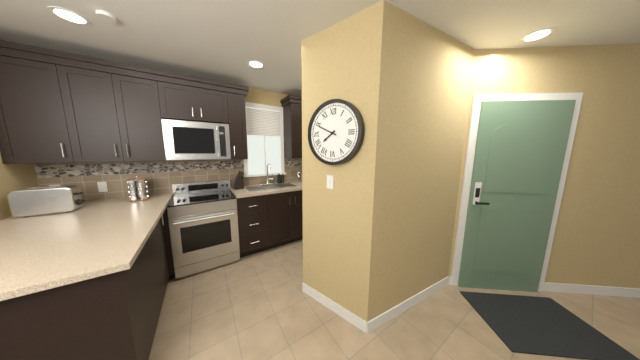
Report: 7:49
